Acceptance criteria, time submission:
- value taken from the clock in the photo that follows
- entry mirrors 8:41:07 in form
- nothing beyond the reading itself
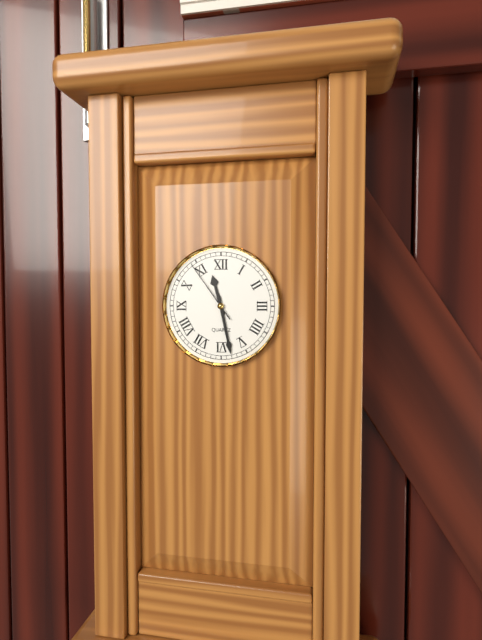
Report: 11:28:54
